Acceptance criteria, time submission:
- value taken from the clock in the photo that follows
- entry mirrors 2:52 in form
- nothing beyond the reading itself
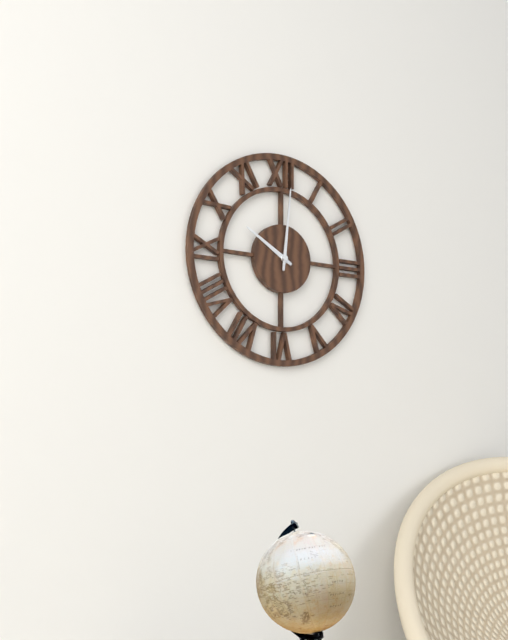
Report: 10:01
